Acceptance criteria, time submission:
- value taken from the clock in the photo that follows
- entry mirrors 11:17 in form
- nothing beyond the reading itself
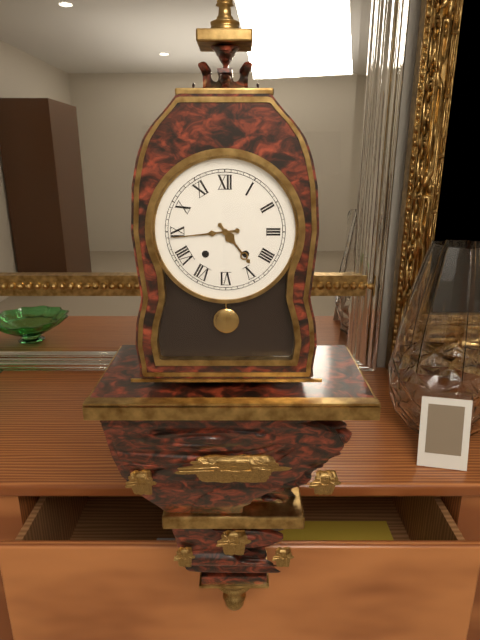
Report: 4:44
